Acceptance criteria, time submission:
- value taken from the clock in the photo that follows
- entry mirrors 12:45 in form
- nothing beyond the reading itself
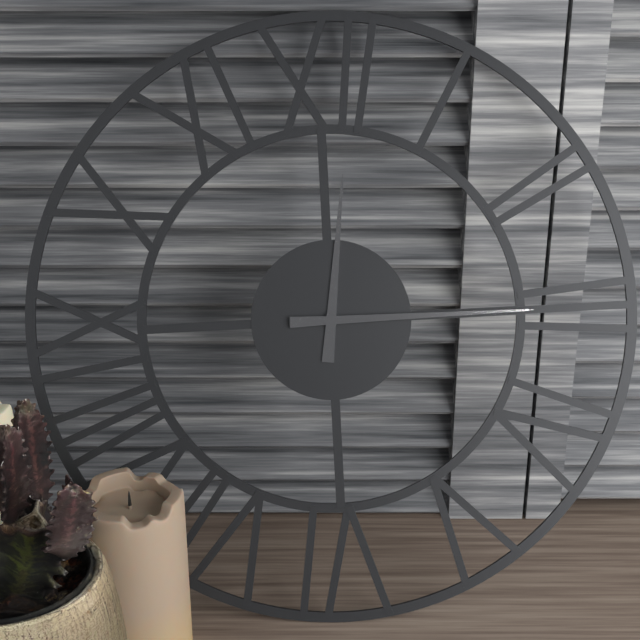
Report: 12:15
